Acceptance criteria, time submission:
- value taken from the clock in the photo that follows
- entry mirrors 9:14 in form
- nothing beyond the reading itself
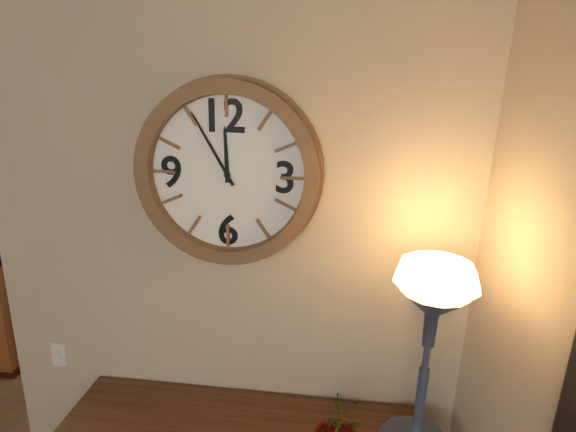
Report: 11:55
